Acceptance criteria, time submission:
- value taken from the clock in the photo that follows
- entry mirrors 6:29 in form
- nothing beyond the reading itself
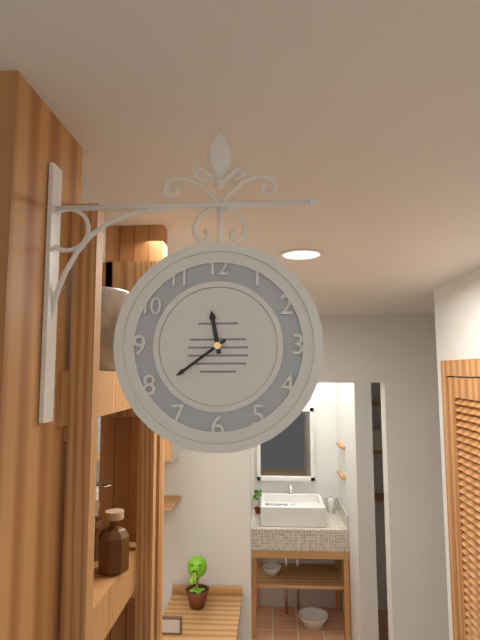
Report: 11:39
